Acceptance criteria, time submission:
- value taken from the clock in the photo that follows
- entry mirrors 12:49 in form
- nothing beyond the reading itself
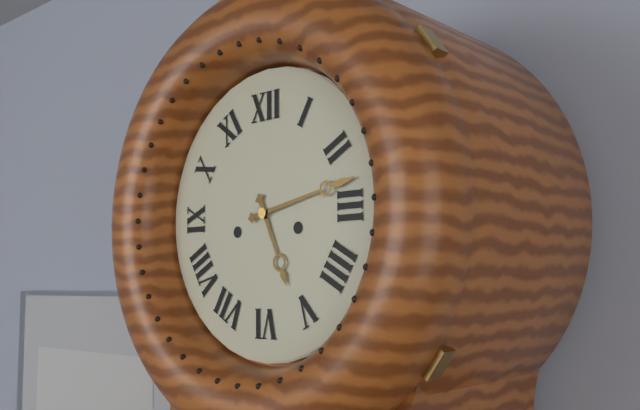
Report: 5:13
